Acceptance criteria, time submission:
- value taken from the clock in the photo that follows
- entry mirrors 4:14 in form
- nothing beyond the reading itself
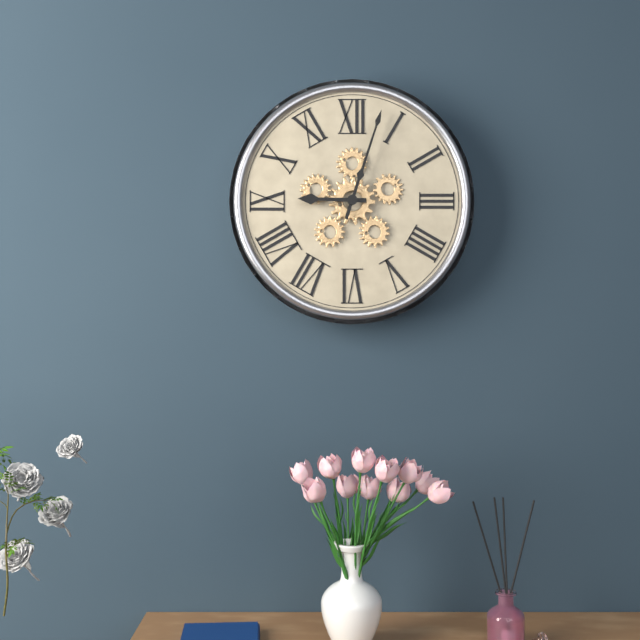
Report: 9:03
